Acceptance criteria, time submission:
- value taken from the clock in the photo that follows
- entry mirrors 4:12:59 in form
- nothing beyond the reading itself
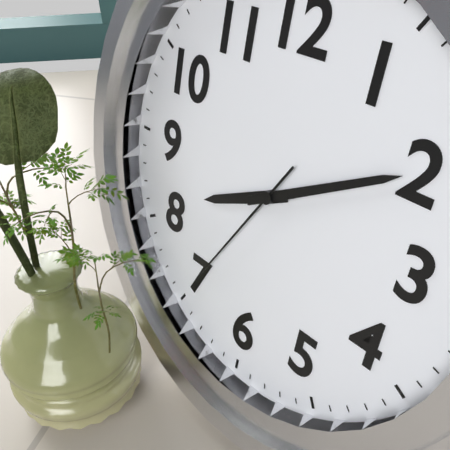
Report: 8:10:35
